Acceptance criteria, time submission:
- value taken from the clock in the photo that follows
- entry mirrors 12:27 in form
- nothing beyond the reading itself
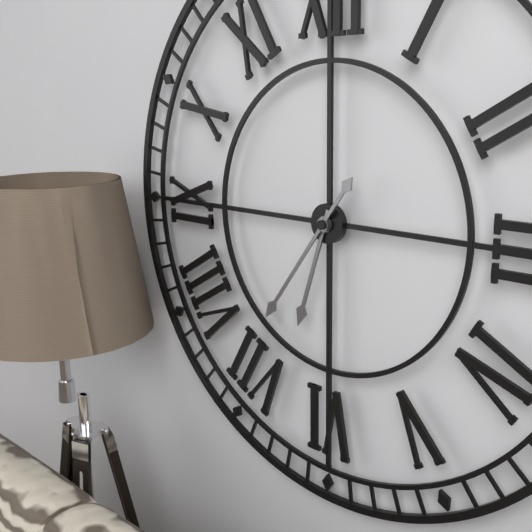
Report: 6:36
